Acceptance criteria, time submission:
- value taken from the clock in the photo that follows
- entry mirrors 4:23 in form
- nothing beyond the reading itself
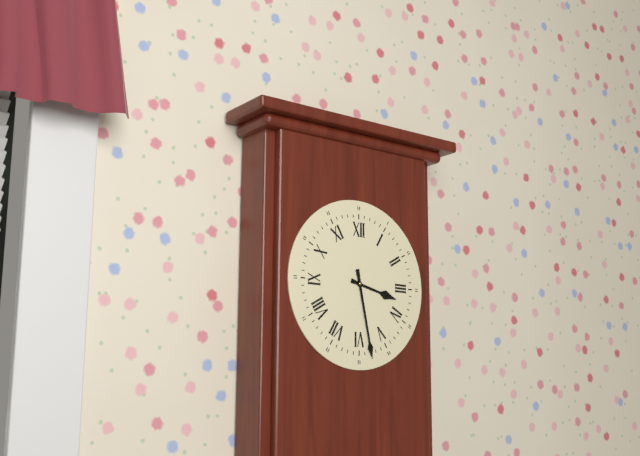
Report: 3:28
